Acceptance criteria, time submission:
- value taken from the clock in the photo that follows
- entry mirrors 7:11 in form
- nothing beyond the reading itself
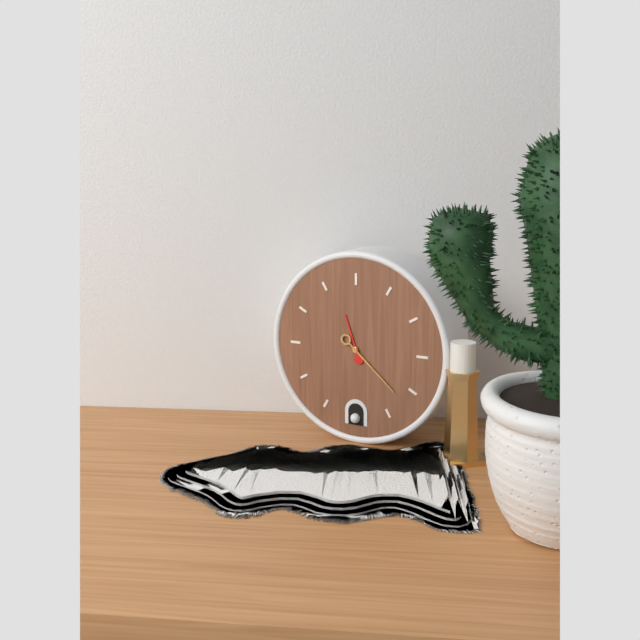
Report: 11:22
